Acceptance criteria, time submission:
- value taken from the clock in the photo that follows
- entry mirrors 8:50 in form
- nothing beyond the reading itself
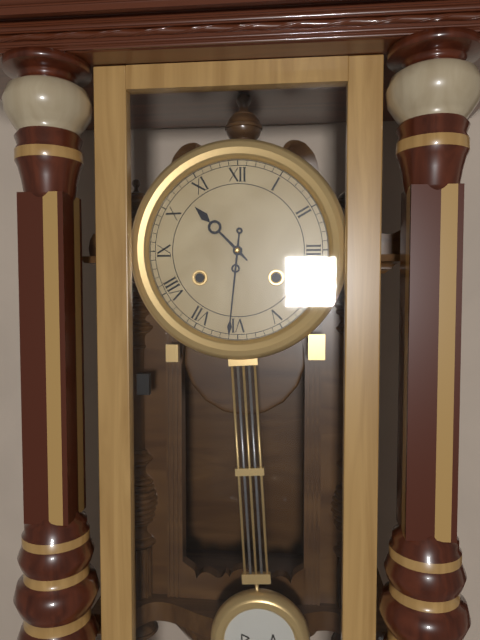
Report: 10:31
